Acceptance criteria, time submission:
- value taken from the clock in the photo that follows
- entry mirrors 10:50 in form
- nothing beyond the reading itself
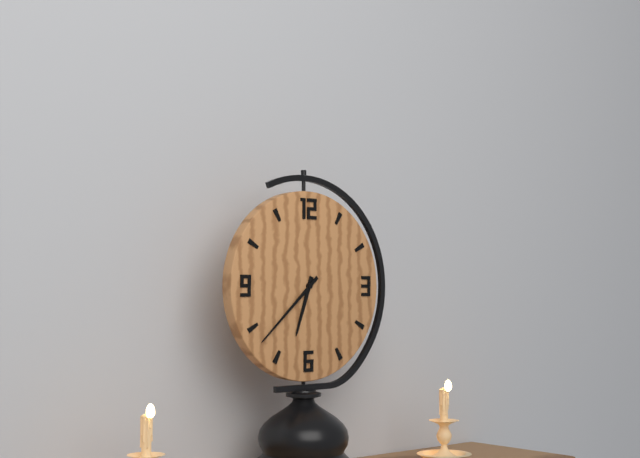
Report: 6:38
